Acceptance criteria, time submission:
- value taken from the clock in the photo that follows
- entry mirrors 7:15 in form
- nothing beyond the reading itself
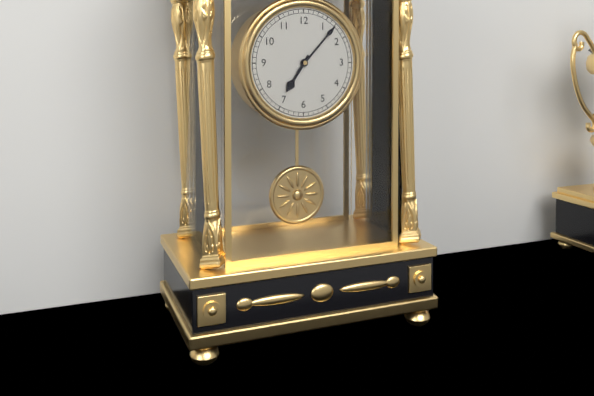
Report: 7:07
